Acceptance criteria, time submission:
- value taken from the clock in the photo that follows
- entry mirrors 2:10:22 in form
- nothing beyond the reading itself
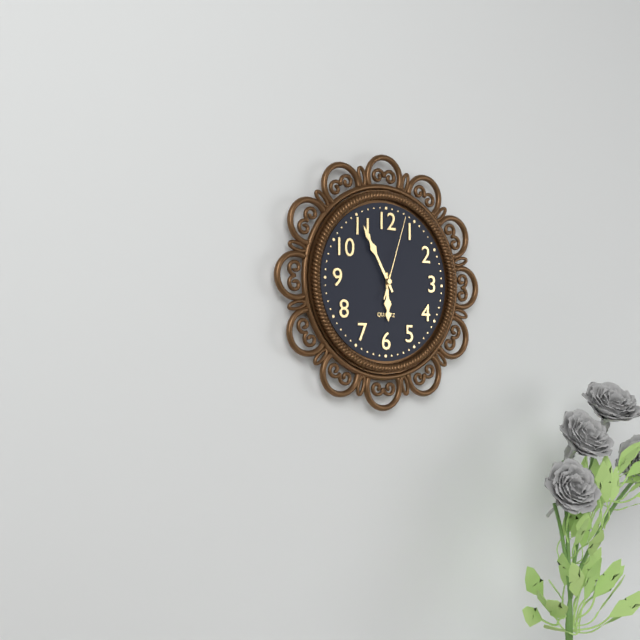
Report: 5:55:03
